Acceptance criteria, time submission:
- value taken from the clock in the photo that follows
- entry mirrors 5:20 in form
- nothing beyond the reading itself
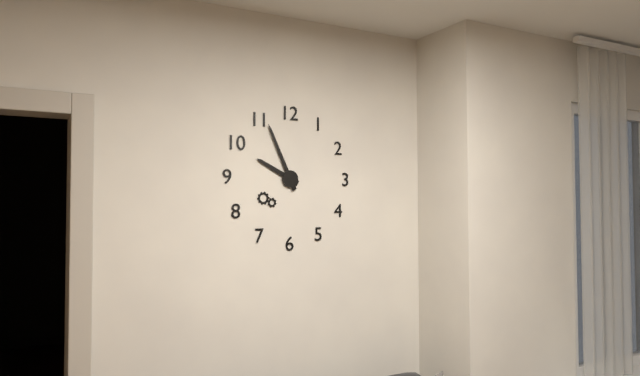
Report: 9:56
